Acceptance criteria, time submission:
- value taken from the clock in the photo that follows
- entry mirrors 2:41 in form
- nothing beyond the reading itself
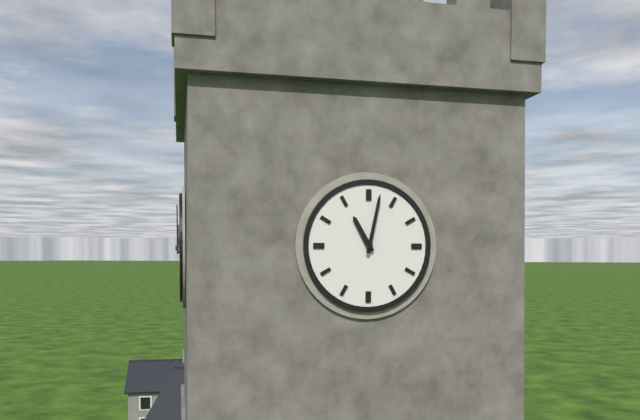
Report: 11:02
